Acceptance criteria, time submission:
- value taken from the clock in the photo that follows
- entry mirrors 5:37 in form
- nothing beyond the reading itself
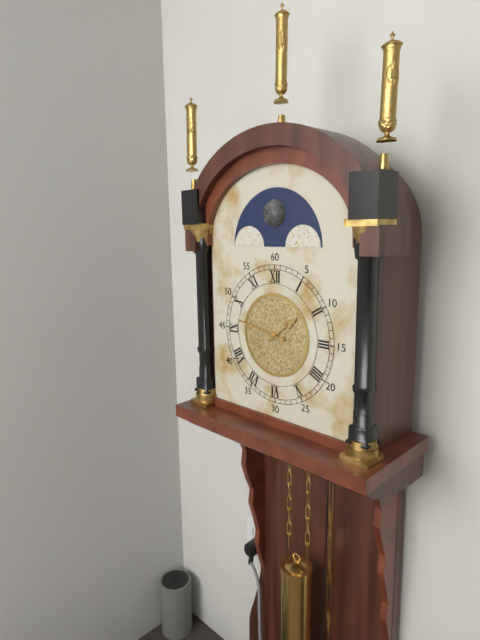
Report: 1:47
